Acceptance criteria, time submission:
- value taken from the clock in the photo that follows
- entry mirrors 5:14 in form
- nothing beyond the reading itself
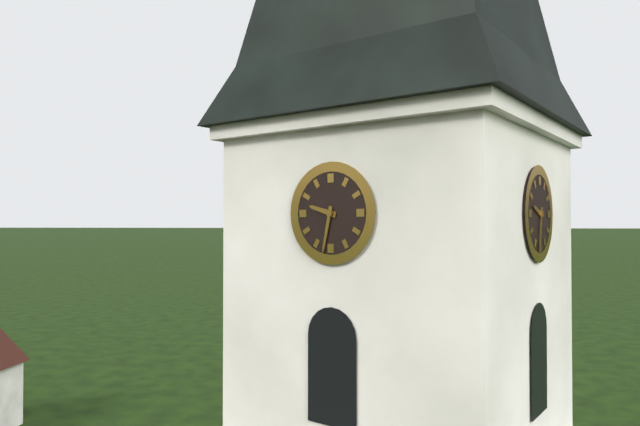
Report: 9:32
